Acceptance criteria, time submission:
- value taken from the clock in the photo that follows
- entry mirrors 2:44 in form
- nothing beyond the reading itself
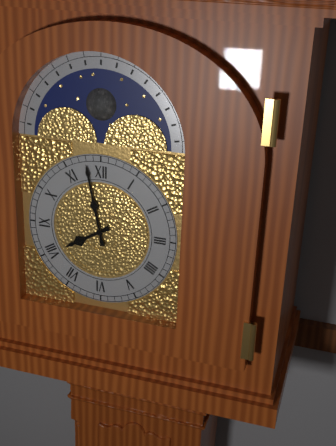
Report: 7:58
